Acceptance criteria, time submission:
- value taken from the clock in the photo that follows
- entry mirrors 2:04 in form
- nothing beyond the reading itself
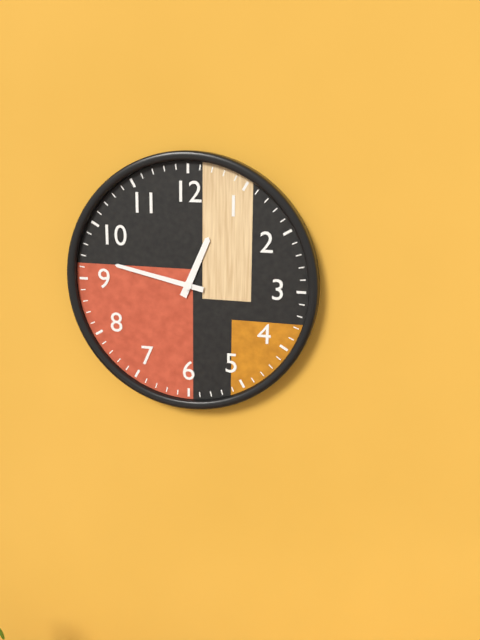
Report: 12:47
